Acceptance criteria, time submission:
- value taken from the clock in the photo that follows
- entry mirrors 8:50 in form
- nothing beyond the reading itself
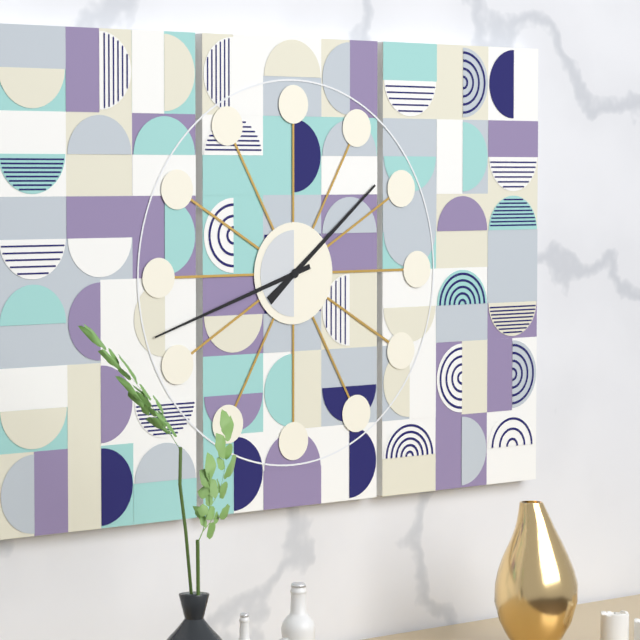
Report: 1:42
